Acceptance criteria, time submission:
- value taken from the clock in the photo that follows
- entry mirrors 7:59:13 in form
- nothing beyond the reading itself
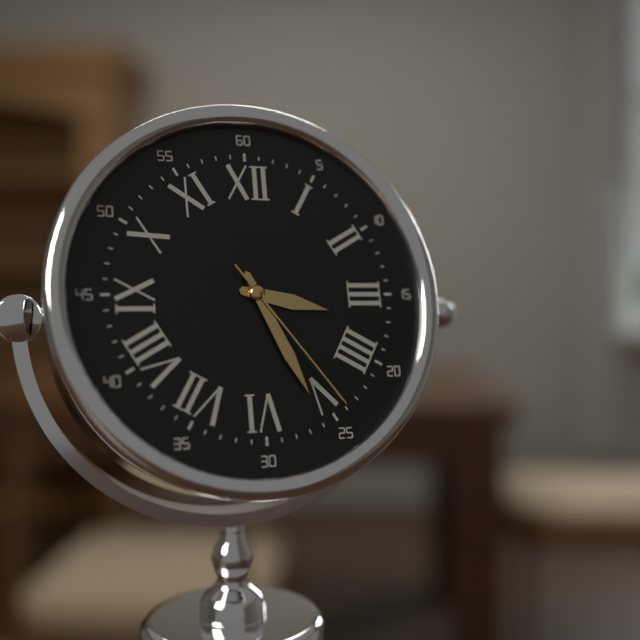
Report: 3:26:24
